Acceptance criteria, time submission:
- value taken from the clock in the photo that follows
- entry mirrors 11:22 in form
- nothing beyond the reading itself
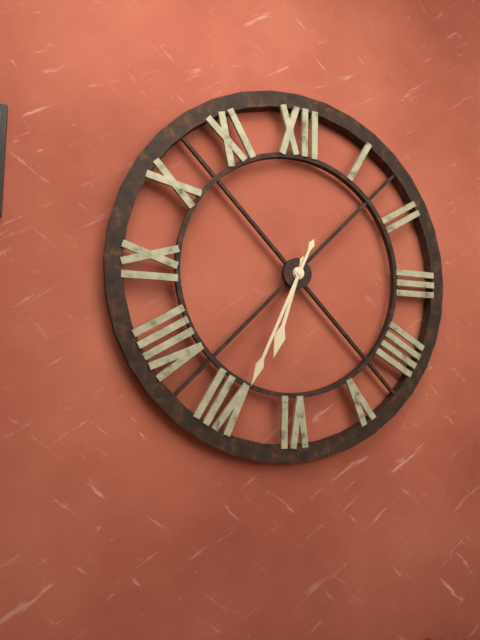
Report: 6:34
